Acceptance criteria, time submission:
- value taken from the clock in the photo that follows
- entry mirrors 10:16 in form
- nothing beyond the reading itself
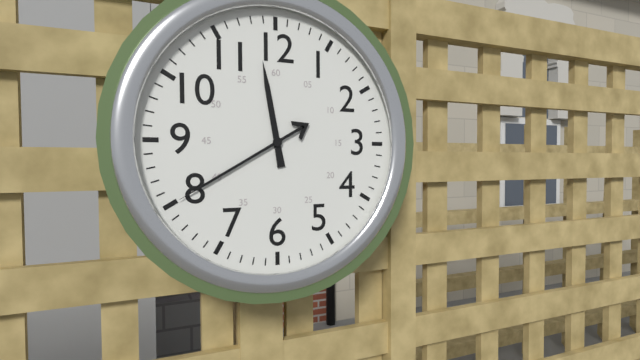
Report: 11:40
